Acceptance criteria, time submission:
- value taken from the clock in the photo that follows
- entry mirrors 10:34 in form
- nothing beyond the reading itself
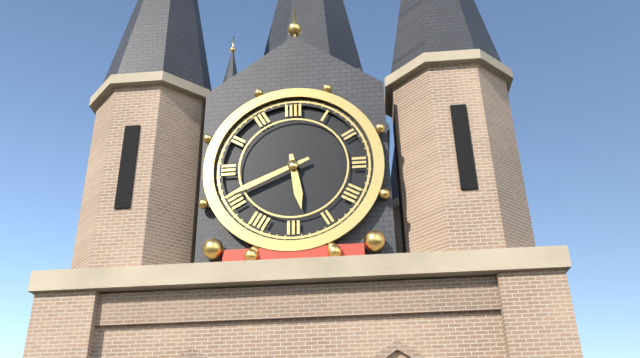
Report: 5:41
